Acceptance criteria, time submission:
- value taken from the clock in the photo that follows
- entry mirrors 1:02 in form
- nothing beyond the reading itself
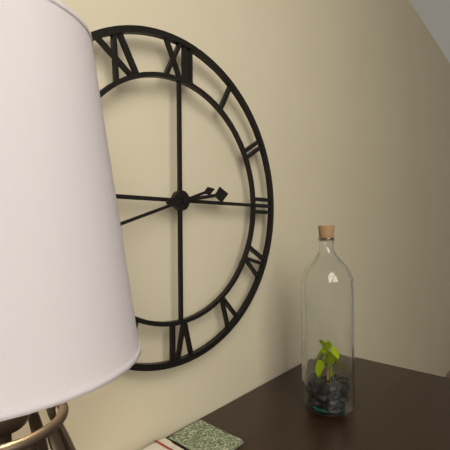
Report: 2:42
